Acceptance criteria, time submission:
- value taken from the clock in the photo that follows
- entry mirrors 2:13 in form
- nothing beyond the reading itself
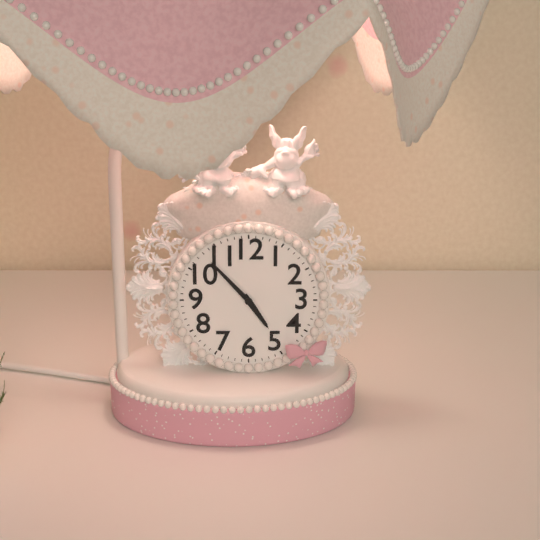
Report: 4:53
